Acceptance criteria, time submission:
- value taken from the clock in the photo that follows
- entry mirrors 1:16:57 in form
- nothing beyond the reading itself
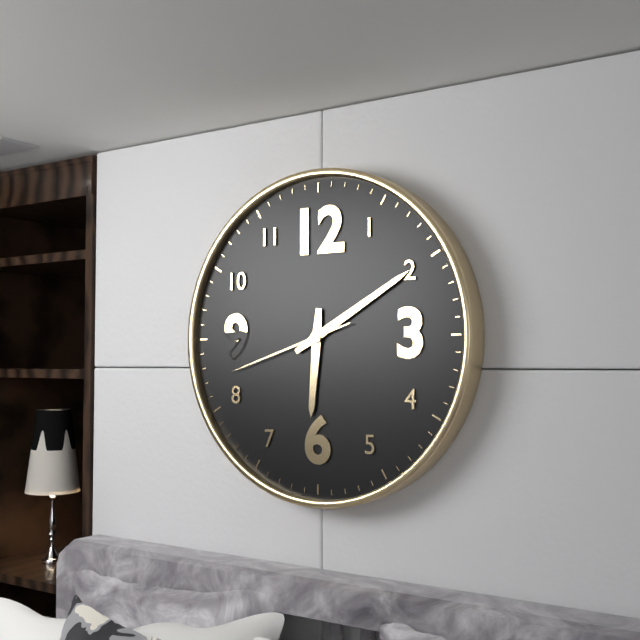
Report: 6:10:42
